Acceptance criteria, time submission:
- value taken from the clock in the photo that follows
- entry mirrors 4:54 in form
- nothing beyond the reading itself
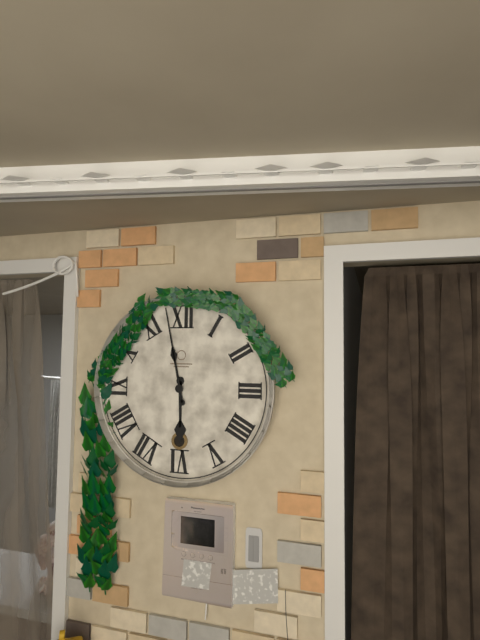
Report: 5:58
